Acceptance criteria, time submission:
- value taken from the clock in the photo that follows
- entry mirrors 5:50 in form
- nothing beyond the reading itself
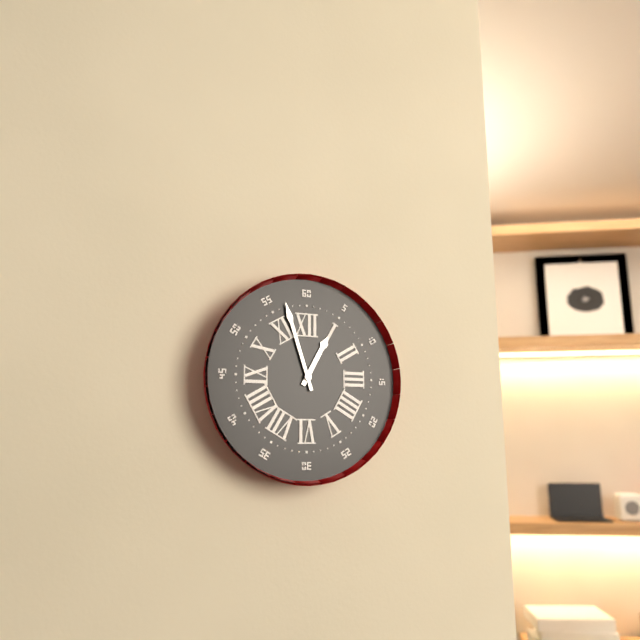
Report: 12:57
